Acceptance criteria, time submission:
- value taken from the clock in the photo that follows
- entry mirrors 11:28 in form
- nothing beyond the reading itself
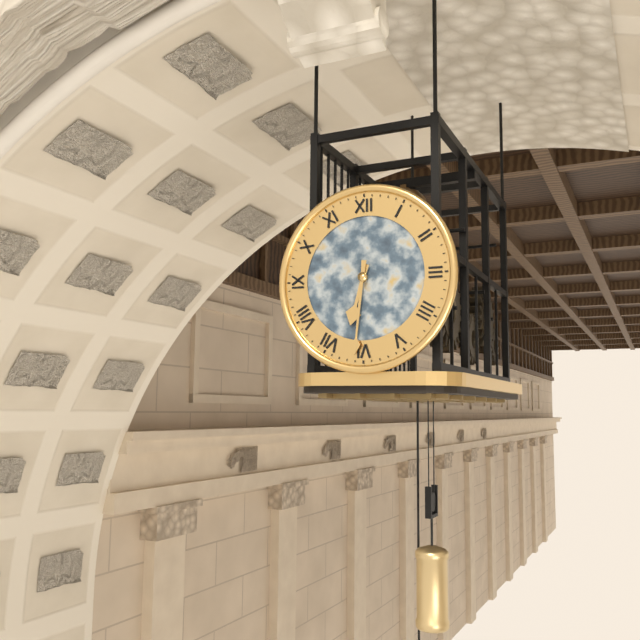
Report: 6:31
